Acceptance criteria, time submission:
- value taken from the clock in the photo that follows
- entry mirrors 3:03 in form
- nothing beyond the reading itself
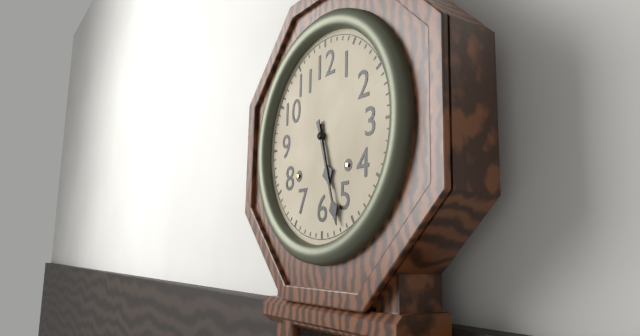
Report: 5:27
